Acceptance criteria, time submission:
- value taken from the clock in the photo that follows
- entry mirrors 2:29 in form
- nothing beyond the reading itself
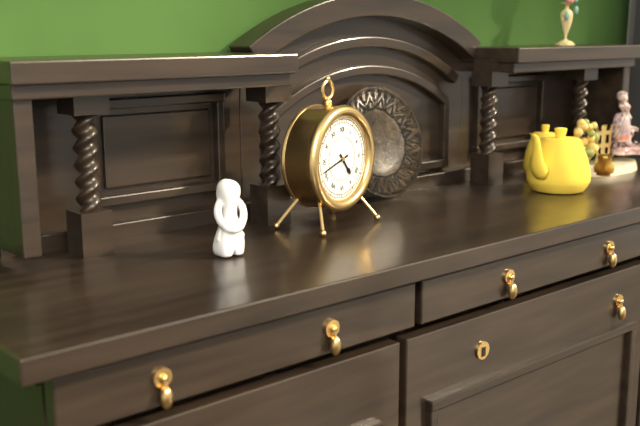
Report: 4:42
